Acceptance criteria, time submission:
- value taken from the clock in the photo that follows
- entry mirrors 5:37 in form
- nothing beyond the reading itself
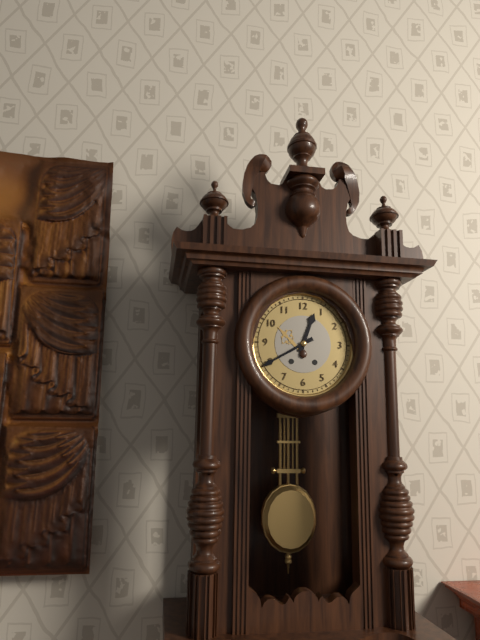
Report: 12:40
